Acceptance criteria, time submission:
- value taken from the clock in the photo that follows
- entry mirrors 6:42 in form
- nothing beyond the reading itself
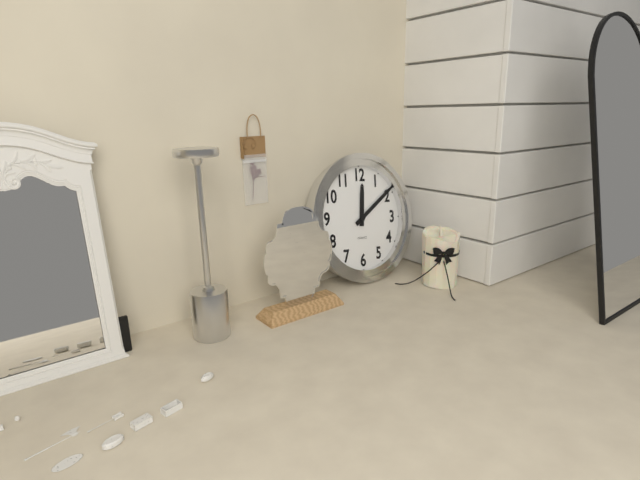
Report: 12:09
